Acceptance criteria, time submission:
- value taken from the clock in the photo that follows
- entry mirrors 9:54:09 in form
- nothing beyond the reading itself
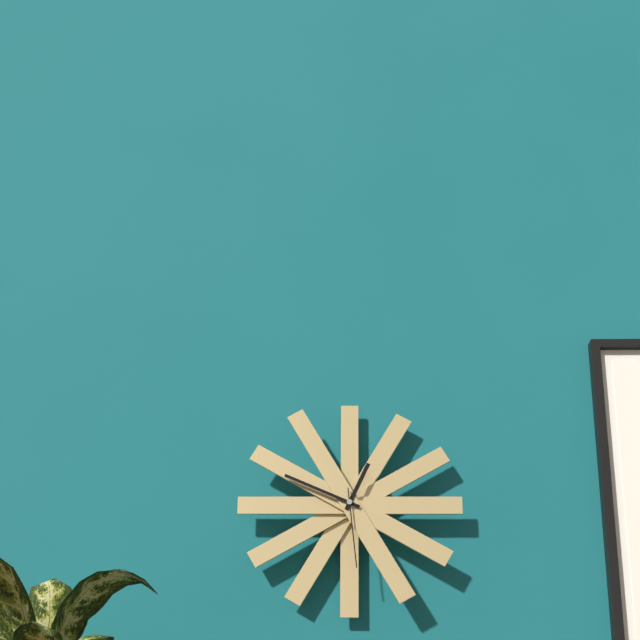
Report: 12:49:29
